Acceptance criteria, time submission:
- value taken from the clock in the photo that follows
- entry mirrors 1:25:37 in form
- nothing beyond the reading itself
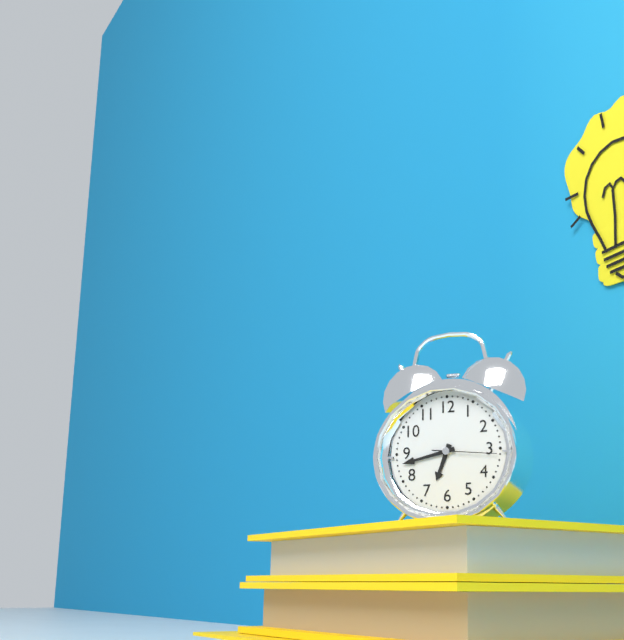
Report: 6:43:16
